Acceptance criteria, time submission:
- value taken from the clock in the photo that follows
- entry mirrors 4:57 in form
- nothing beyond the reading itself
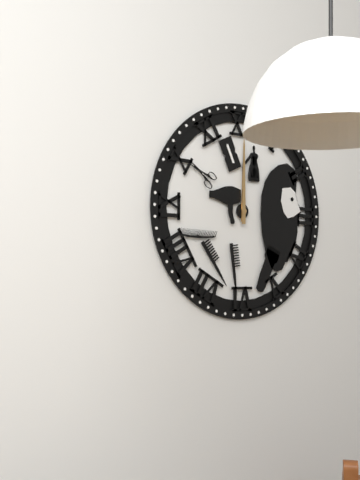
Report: 12:00
